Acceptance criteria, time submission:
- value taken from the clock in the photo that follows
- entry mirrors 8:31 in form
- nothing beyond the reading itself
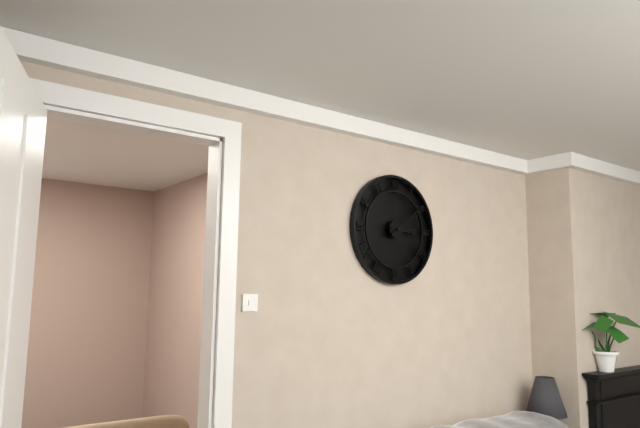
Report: 3:09
